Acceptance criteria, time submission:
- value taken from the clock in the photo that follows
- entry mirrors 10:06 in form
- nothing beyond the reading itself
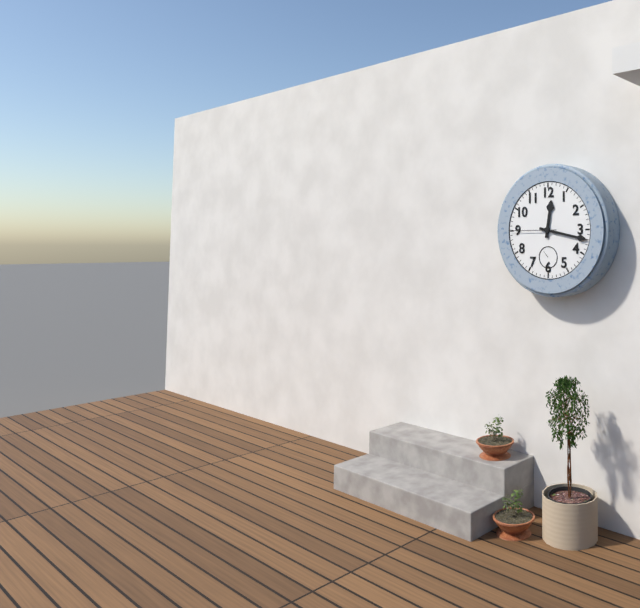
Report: 12:17
